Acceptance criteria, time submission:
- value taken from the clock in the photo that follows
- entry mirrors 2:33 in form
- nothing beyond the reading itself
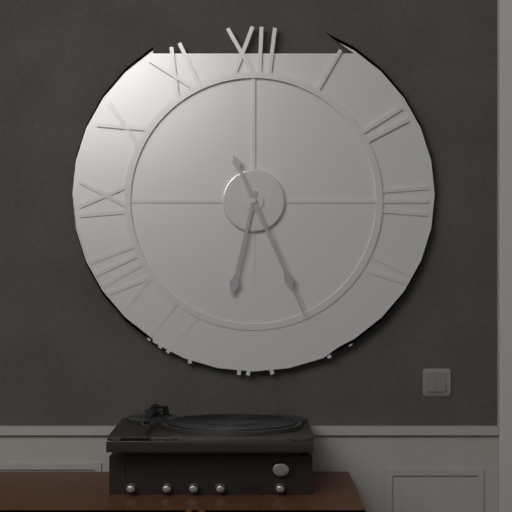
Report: 6:26
